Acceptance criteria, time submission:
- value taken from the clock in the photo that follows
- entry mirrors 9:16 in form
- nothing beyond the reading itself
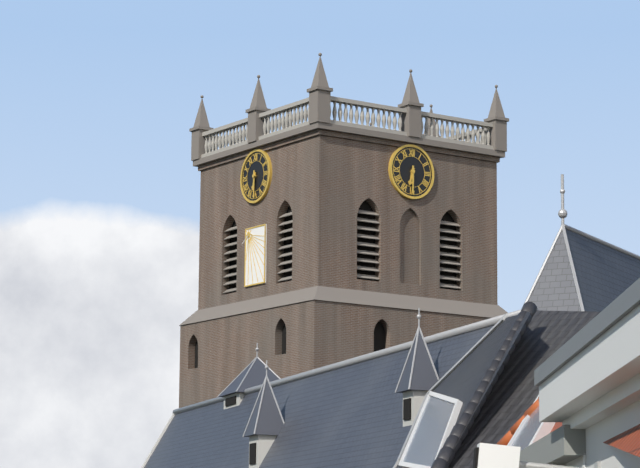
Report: 6:30
